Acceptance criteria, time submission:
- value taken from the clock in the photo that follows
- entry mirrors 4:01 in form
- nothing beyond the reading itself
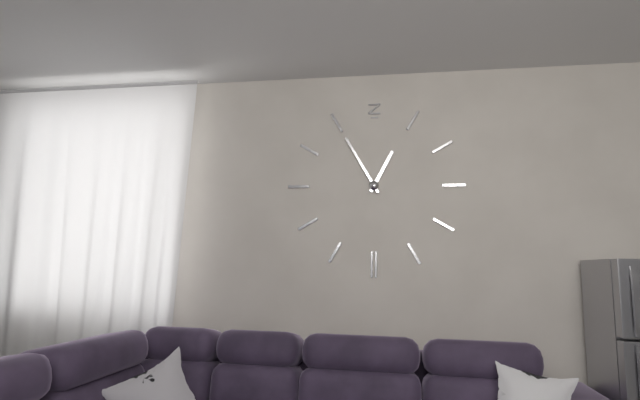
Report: 12:55
